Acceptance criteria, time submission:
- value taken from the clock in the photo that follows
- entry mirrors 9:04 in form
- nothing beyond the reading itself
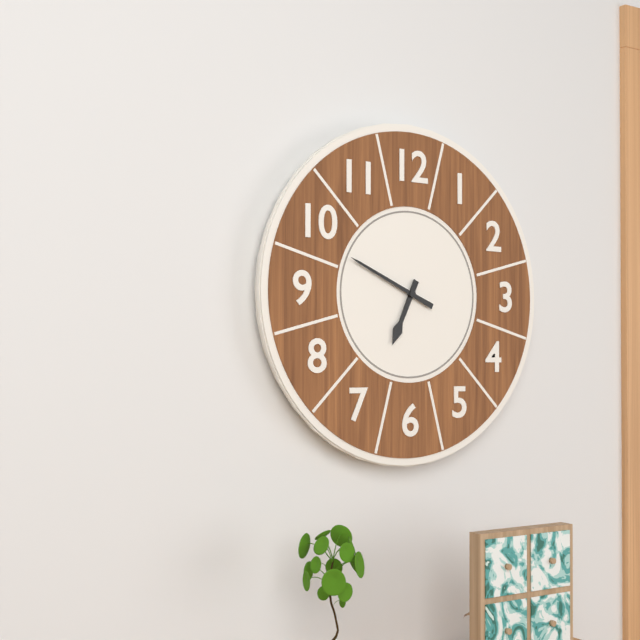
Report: 6:49
